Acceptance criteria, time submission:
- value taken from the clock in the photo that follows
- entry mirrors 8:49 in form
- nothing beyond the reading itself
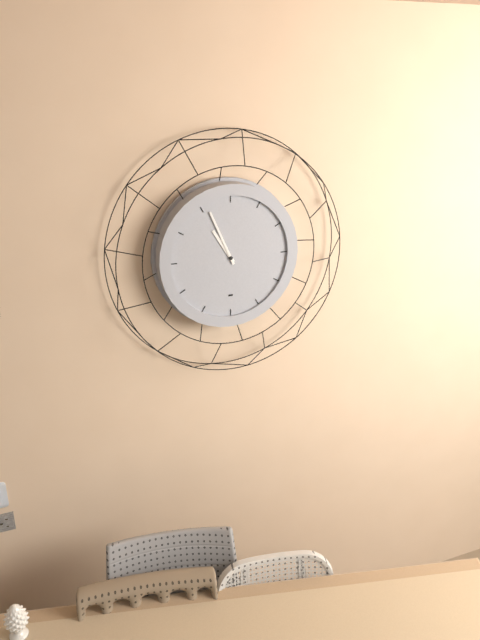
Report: 10:56
